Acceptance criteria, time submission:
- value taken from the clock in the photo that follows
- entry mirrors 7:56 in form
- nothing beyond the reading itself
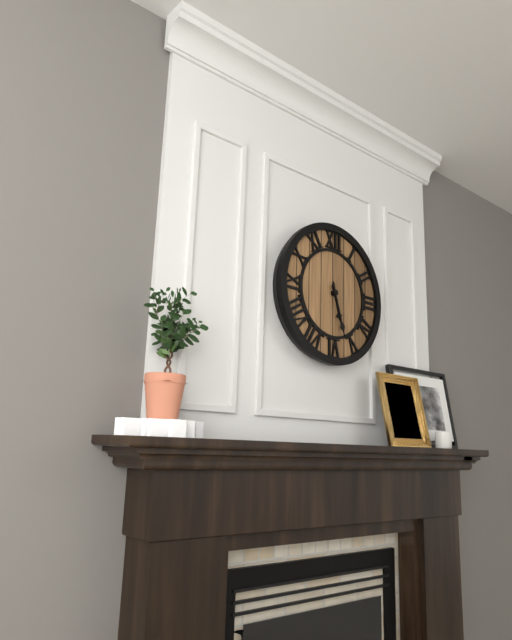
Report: 5:27
